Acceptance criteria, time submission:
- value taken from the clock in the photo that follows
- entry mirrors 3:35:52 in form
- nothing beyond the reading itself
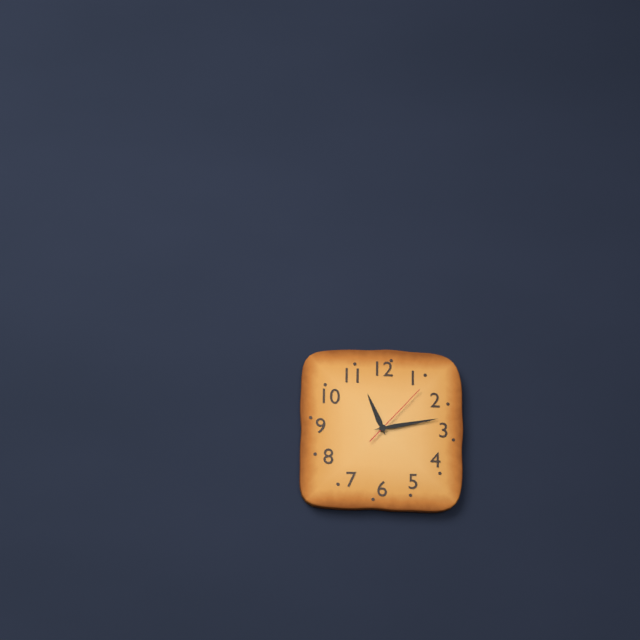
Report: 11:13:07
